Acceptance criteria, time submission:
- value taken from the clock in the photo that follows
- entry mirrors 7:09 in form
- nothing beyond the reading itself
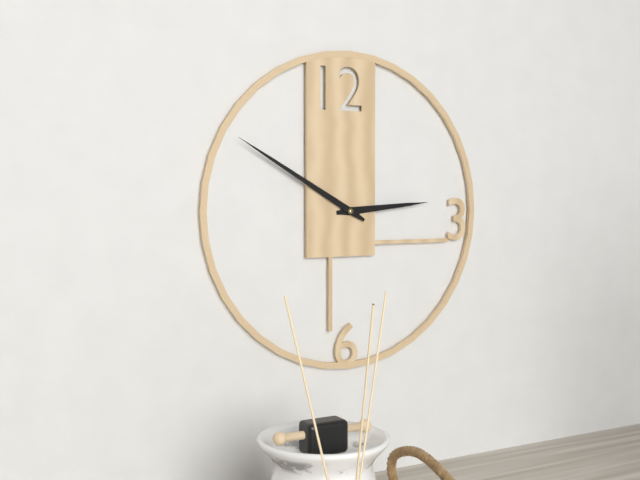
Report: 2:50
